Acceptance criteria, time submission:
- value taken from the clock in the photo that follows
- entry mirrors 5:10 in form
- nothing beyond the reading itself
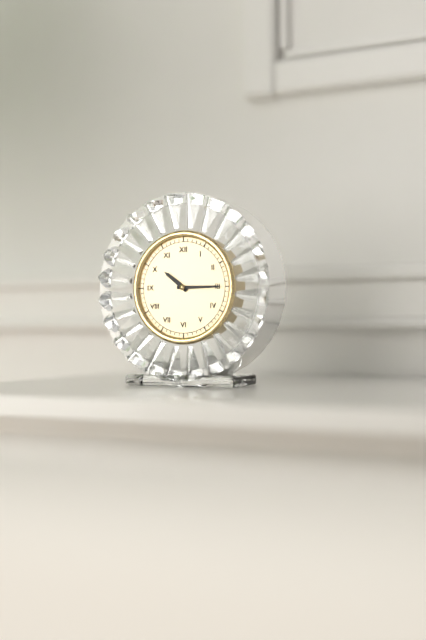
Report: 10:15
